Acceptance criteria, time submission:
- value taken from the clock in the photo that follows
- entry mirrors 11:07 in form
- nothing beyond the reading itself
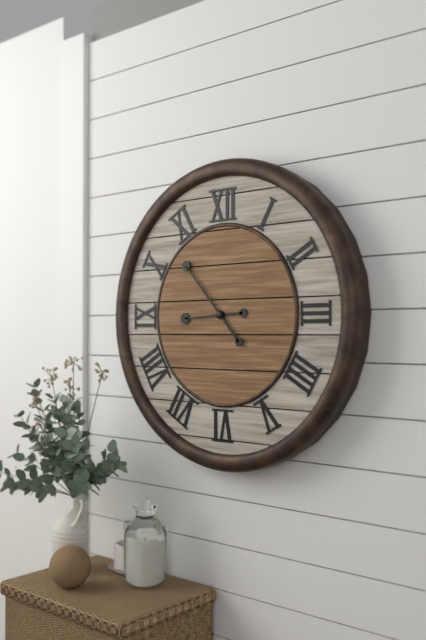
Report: 8:53
